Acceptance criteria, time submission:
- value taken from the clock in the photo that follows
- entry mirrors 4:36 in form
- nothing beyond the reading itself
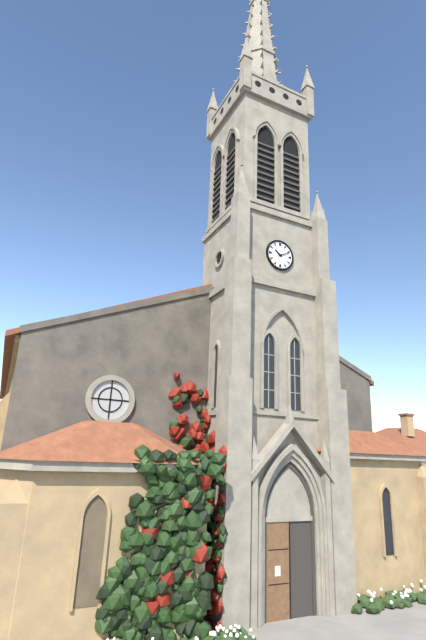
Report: 10:11
